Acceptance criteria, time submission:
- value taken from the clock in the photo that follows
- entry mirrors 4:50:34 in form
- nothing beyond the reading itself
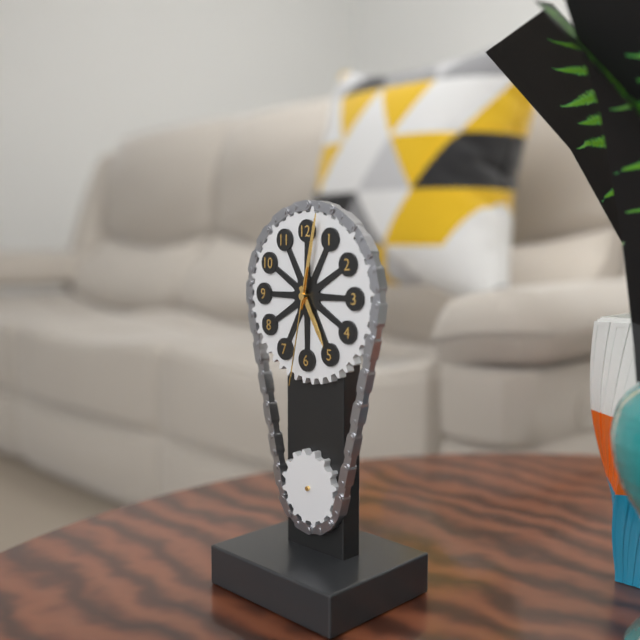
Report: 5:02:32
